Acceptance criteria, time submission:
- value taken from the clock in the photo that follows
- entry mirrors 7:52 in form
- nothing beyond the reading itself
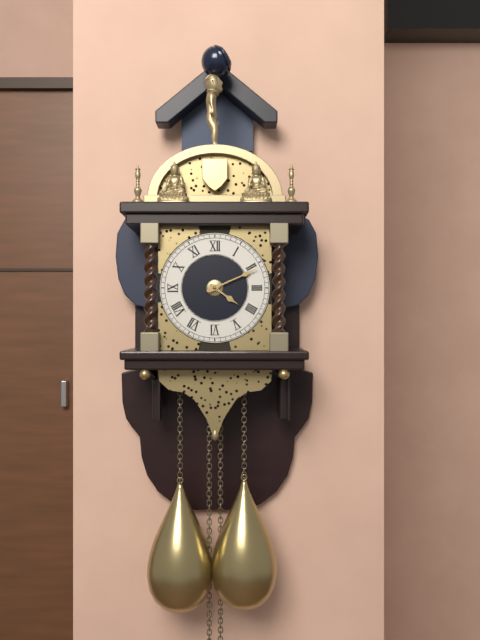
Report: 4:11
